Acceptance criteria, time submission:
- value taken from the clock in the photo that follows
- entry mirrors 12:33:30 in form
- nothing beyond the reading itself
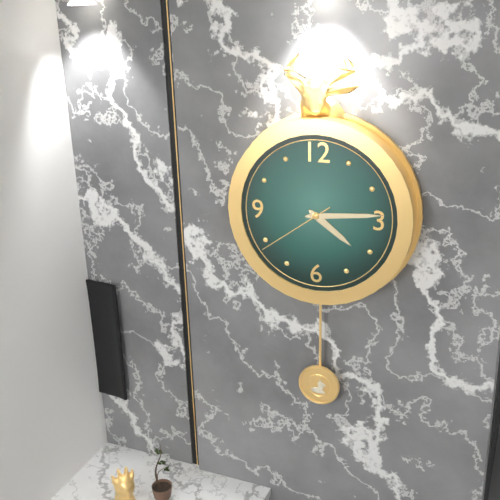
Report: 4:14:39
